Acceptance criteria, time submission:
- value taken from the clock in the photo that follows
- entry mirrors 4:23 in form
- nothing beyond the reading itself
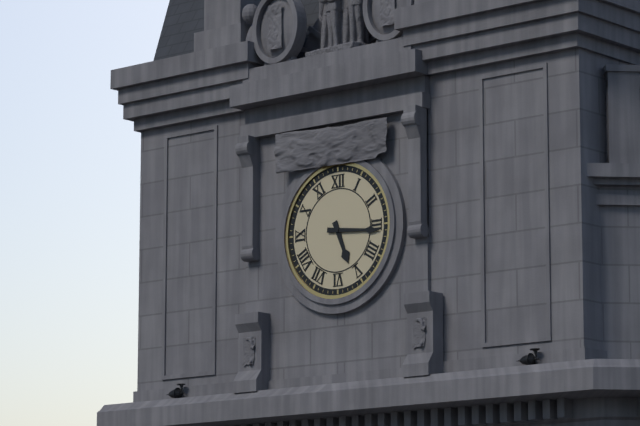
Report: 5:16
